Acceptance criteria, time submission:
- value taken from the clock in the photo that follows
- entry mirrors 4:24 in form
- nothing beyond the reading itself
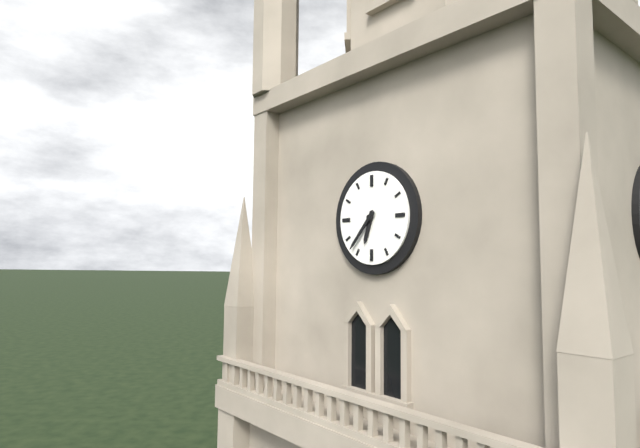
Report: 6:37
